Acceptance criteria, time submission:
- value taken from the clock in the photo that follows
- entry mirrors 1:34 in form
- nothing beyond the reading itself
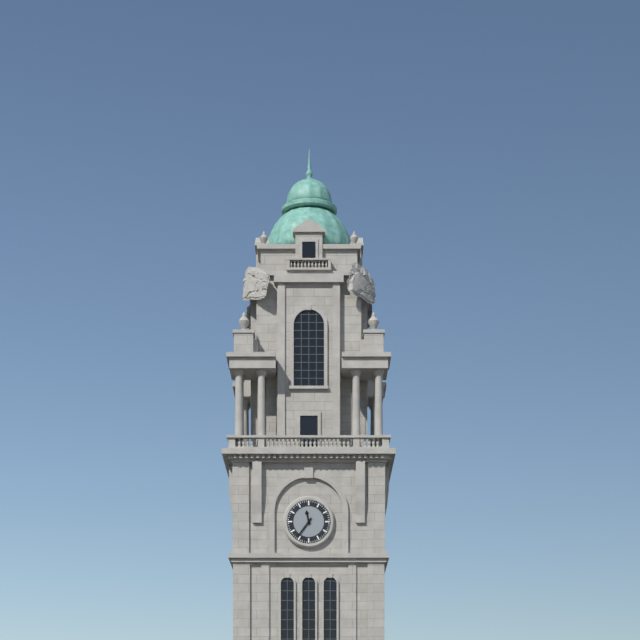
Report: 11:36
